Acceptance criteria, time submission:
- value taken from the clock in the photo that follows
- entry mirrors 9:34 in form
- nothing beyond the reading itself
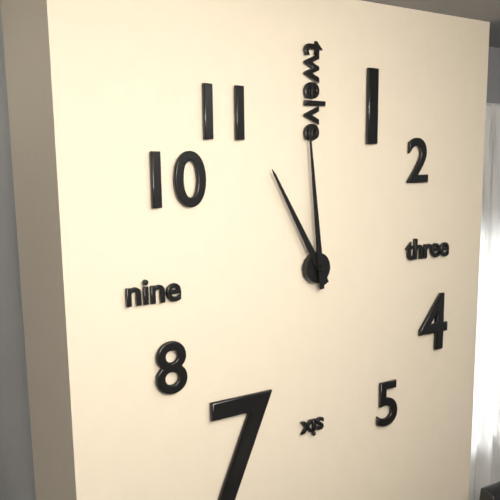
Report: 10:59
